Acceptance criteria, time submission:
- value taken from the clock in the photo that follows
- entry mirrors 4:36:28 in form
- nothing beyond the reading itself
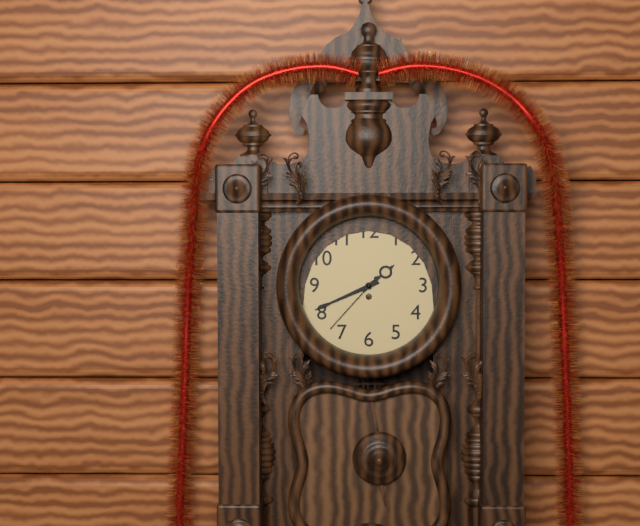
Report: 1:41:37
